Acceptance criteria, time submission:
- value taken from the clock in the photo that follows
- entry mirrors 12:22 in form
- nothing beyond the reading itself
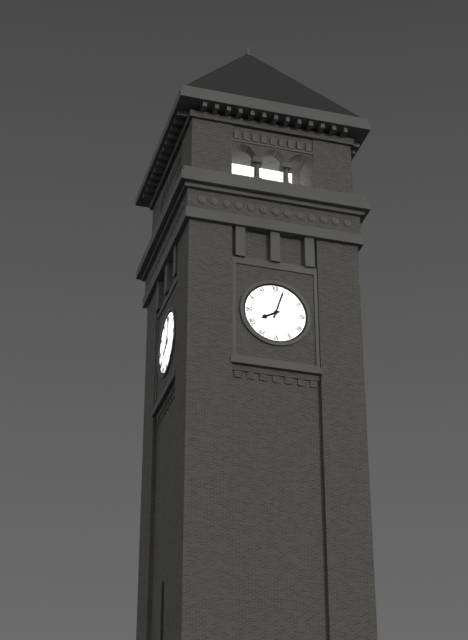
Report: 8:03
